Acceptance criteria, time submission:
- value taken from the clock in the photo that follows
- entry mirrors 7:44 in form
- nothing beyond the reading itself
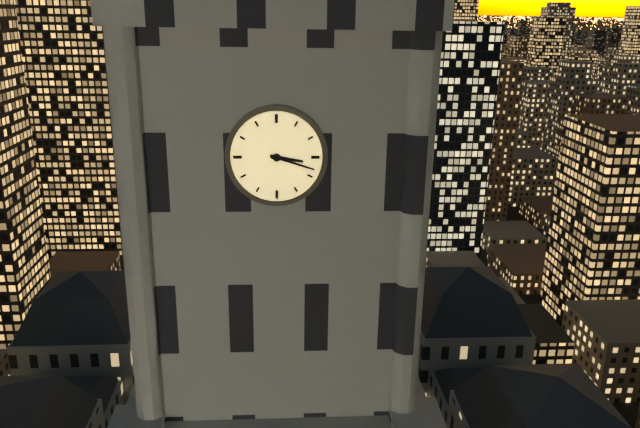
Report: 3:18
